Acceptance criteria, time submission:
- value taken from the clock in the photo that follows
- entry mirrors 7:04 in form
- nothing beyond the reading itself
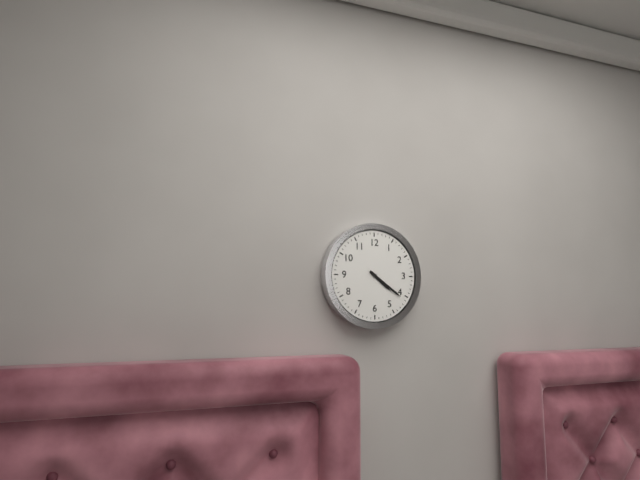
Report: 4:21
